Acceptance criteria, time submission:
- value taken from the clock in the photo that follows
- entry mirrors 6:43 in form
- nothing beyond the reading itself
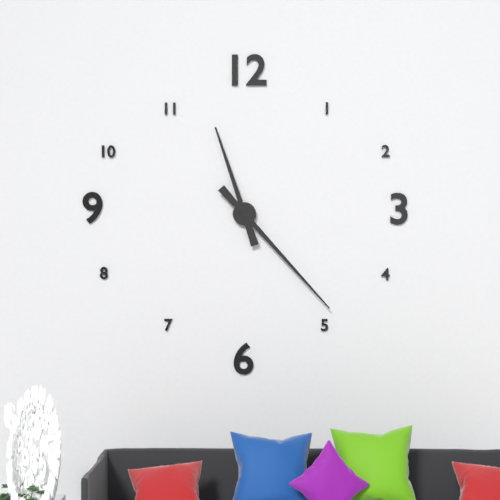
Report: 11:23
